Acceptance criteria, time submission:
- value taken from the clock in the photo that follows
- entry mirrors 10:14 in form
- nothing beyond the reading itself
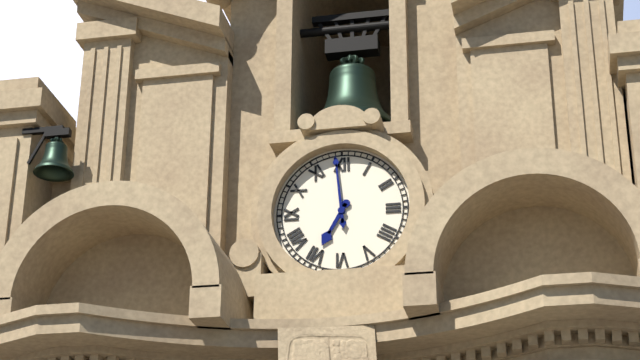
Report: 6:59
